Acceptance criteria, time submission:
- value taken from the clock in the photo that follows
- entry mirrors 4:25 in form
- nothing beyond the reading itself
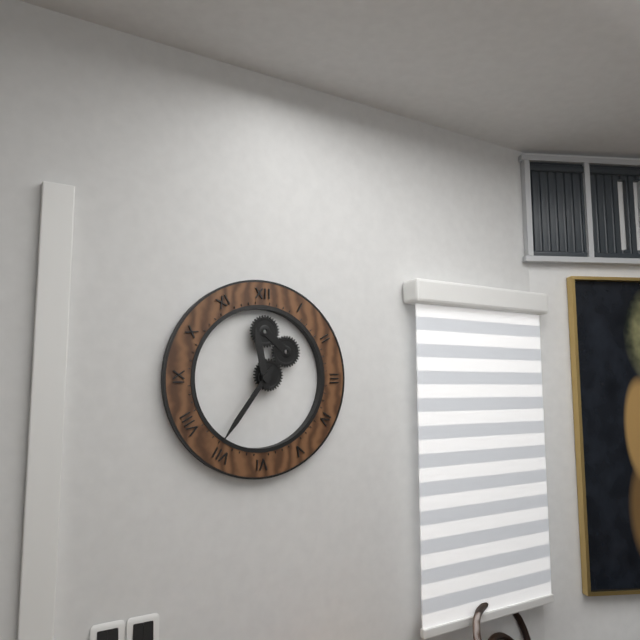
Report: 11:36
